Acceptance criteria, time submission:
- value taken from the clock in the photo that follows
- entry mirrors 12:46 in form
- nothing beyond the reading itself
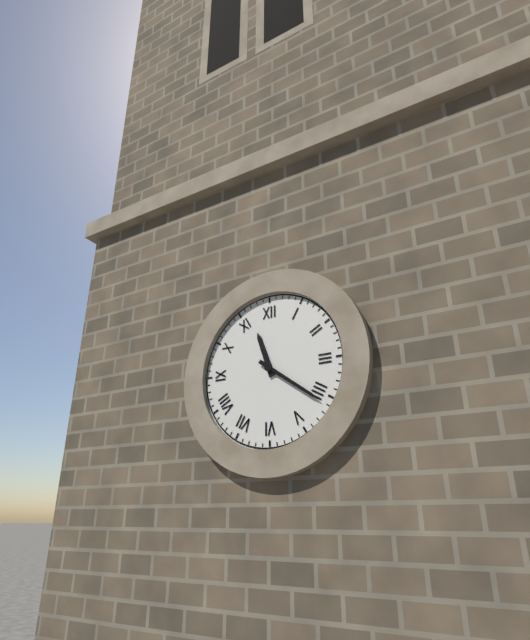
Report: 11:21
